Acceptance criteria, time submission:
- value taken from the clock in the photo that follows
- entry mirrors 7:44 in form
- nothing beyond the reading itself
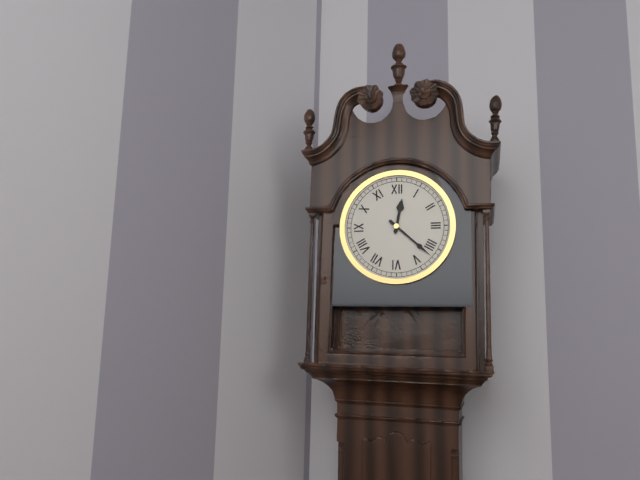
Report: 12:22
